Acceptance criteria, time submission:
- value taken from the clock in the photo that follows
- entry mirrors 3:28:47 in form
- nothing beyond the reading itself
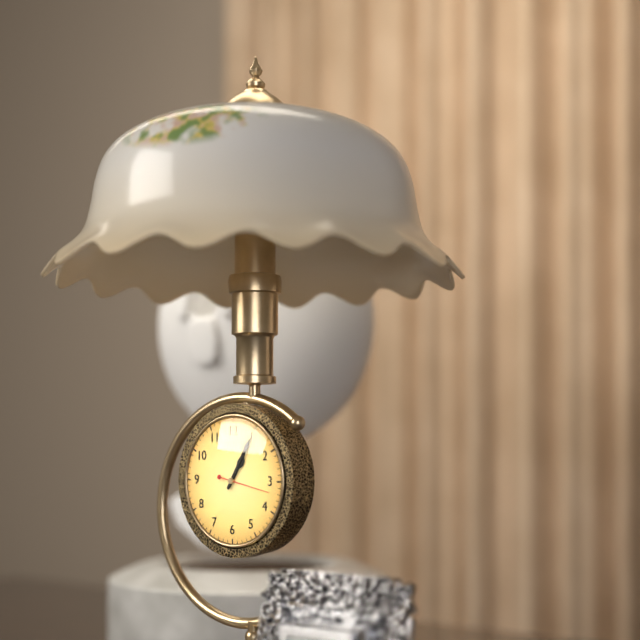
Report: 1:05:17
